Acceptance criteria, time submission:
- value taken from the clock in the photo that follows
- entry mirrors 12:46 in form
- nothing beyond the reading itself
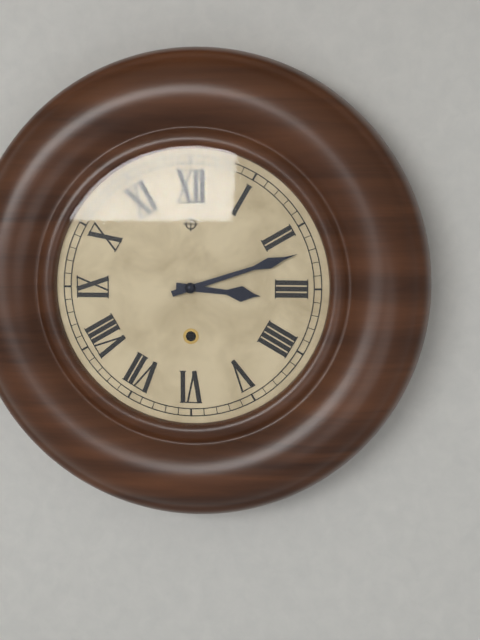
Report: 3:12
